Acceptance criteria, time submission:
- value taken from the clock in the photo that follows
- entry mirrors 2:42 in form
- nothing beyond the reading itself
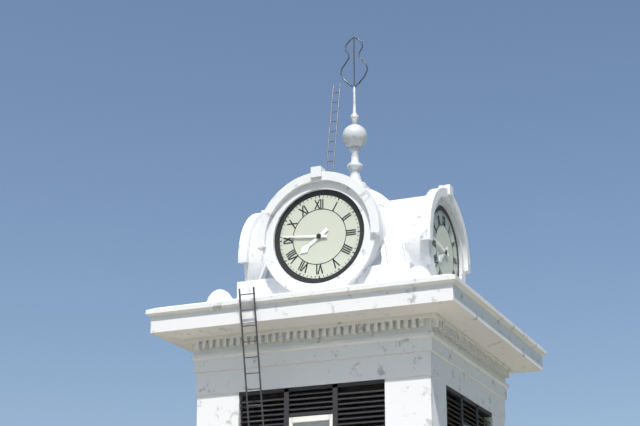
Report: 7:46
